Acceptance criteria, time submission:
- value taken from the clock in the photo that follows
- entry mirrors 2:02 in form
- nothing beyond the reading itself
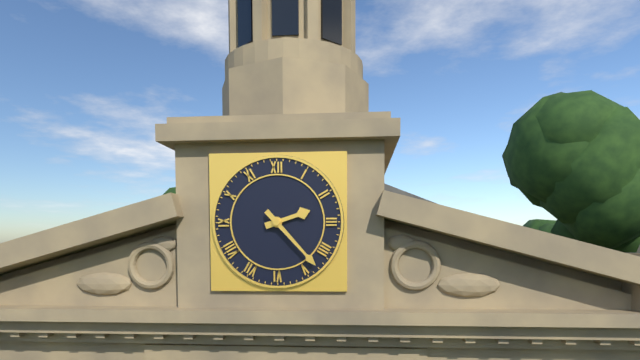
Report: 2:23
